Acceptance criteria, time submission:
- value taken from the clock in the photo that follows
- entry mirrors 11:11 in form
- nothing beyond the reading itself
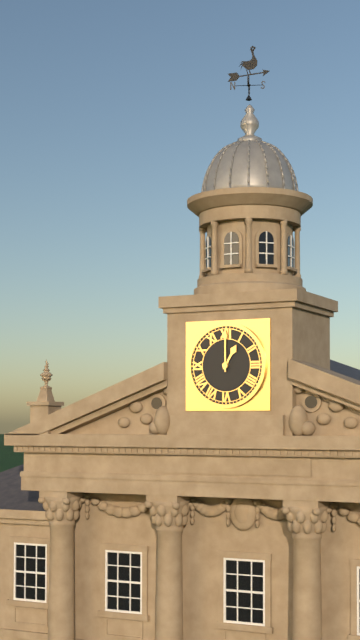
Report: 1:00
